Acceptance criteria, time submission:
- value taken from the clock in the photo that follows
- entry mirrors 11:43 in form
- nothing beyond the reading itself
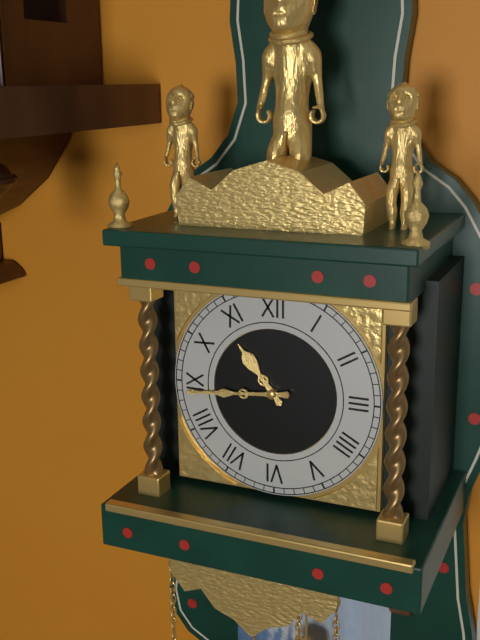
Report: 10:44
